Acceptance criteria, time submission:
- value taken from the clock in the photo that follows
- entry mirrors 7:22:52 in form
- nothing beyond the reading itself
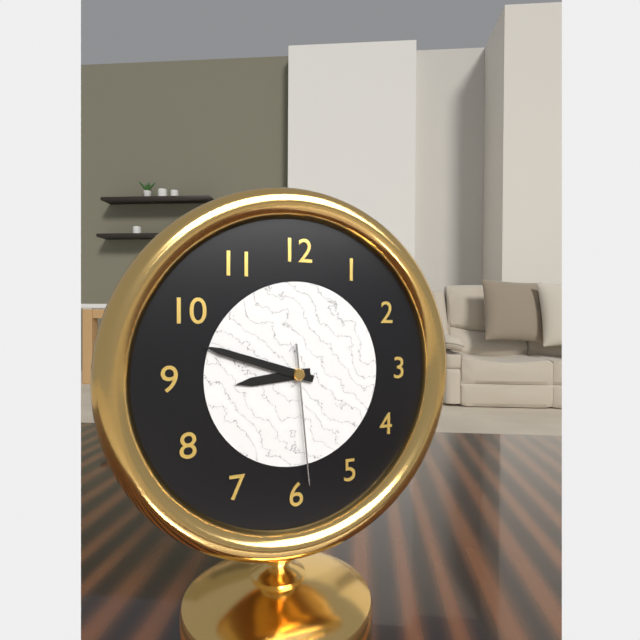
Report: 8:48:29
